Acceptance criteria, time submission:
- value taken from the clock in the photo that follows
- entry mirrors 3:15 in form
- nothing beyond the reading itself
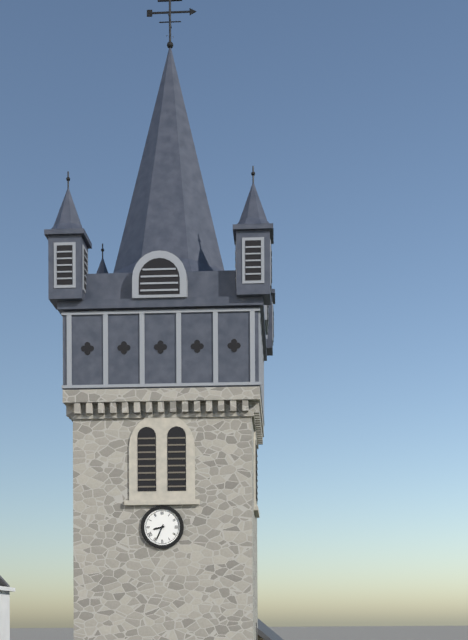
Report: 8:34
